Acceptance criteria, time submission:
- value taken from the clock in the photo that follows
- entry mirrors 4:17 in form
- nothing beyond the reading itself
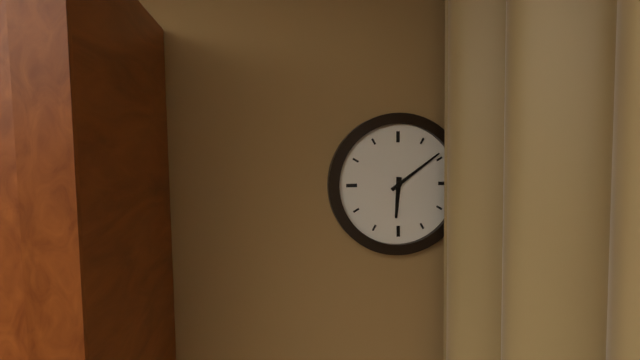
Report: 6:09
